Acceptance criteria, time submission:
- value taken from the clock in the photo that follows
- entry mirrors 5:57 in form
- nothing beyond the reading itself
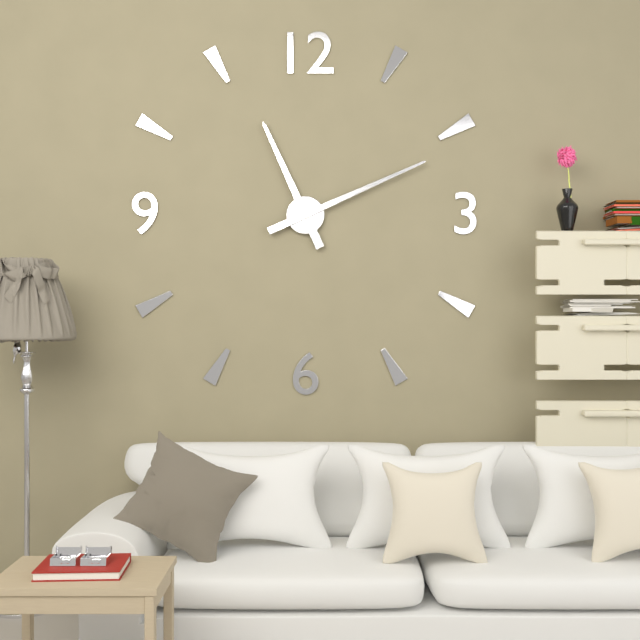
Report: 11:11
